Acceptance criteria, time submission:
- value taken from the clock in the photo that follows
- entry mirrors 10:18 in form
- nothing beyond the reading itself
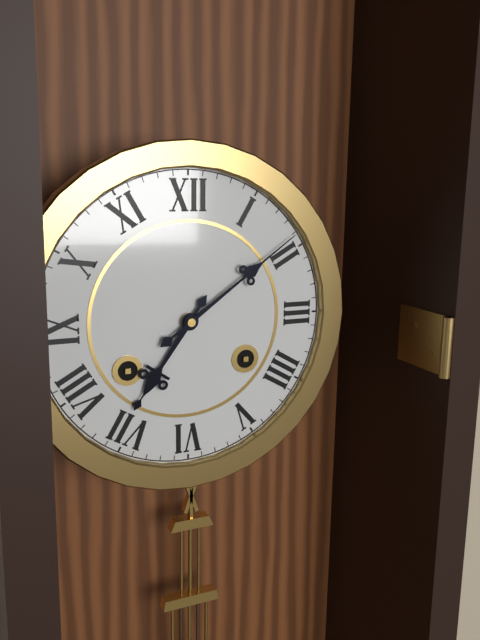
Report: 7:09
